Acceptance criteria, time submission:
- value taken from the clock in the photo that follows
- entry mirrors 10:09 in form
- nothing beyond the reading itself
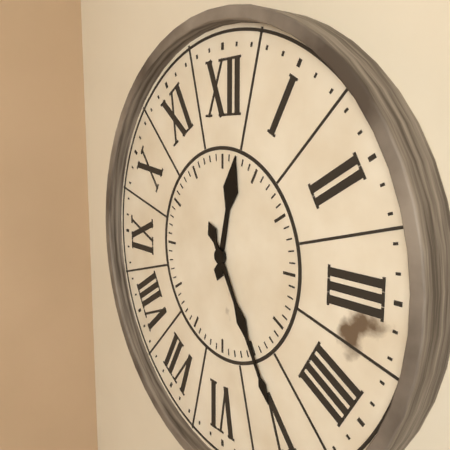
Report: 12:25
